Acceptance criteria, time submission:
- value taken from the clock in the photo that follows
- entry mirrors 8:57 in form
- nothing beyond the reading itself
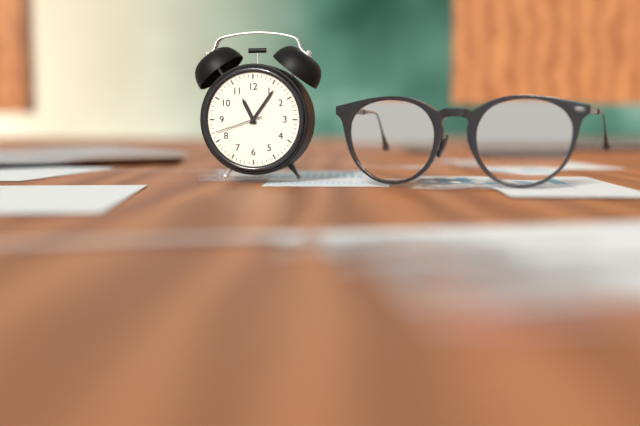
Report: 11:06
